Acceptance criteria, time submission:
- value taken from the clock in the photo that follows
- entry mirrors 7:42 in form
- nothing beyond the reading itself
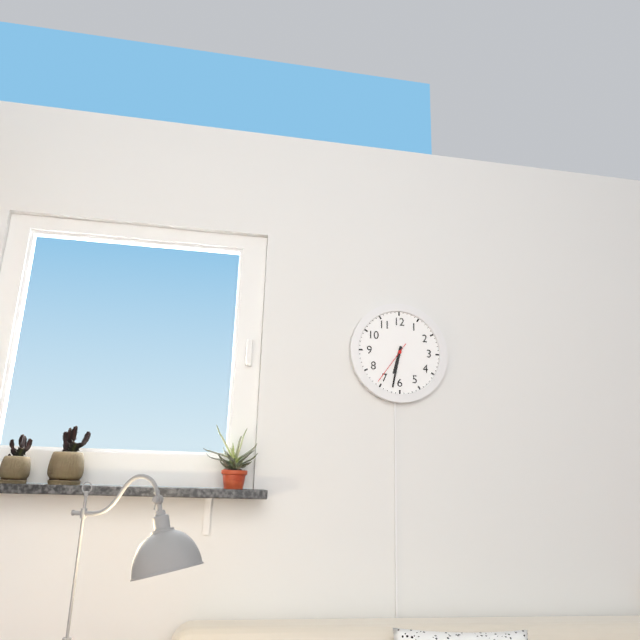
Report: 6:32
